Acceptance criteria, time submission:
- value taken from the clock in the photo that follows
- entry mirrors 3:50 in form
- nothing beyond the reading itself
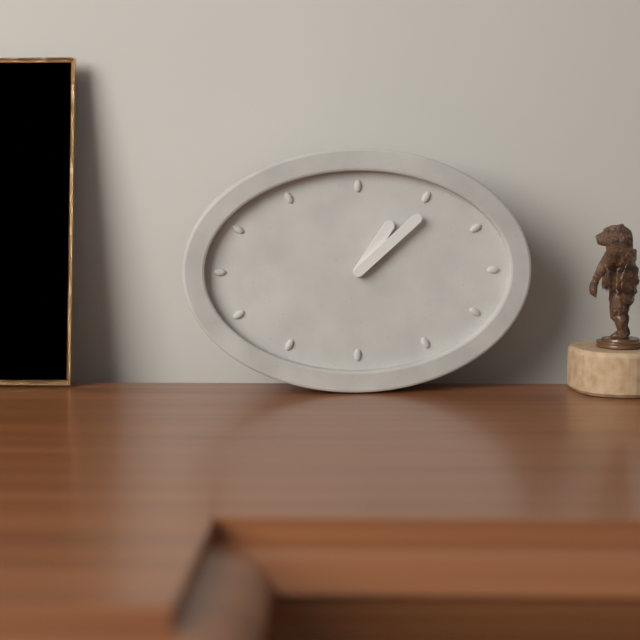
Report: 1:08
